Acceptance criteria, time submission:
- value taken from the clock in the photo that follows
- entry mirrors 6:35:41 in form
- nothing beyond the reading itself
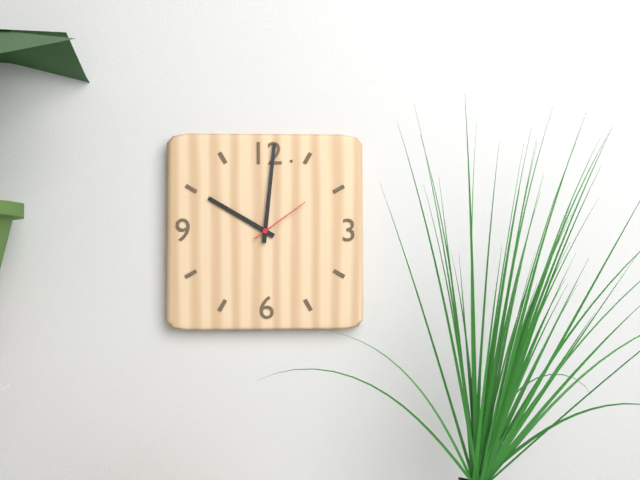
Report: 10:01:09
